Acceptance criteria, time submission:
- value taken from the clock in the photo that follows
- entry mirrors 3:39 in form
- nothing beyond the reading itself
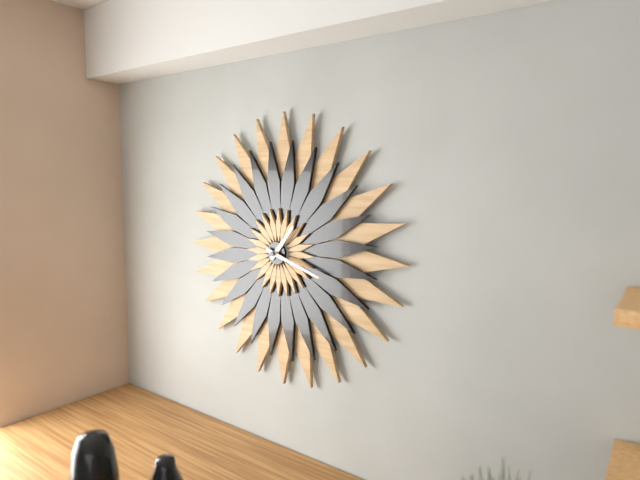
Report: 1:18
